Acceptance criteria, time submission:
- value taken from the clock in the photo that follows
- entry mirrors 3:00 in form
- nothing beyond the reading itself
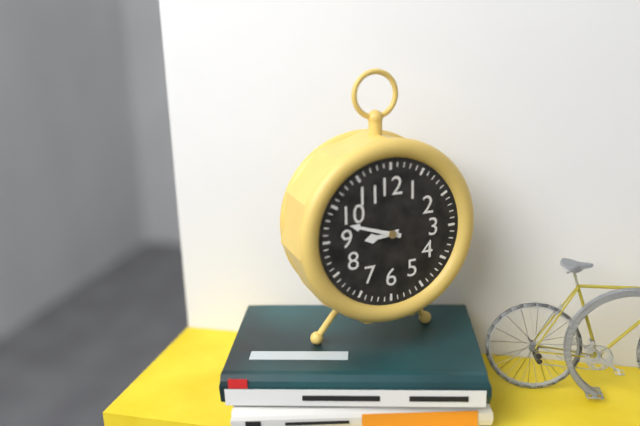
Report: 8:48
